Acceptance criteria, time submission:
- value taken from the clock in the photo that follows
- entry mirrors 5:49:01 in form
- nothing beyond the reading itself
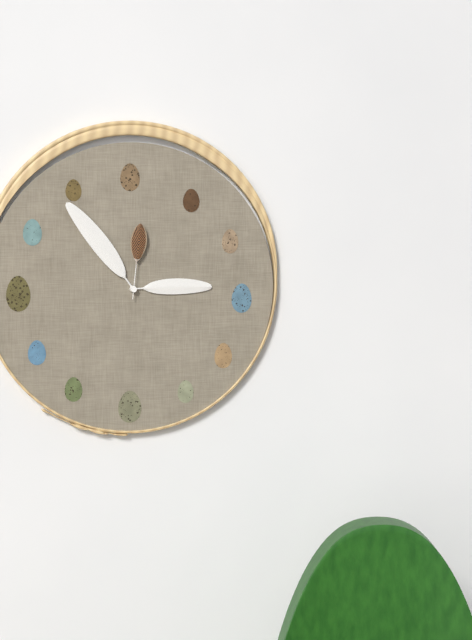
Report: 2:54:01
